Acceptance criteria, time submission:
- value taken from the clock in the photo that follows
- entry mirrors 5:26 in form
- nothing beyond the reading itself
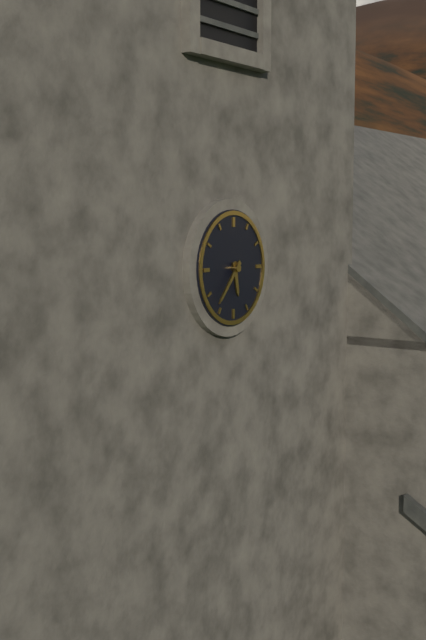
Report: 5:37
